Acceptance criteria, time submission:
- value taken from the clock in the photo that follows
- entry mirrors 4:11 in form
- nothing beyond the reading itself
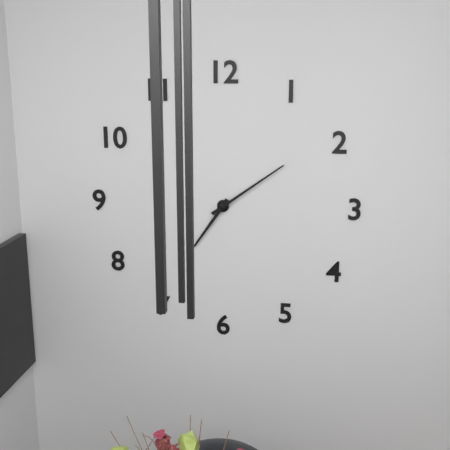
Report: 7:09
